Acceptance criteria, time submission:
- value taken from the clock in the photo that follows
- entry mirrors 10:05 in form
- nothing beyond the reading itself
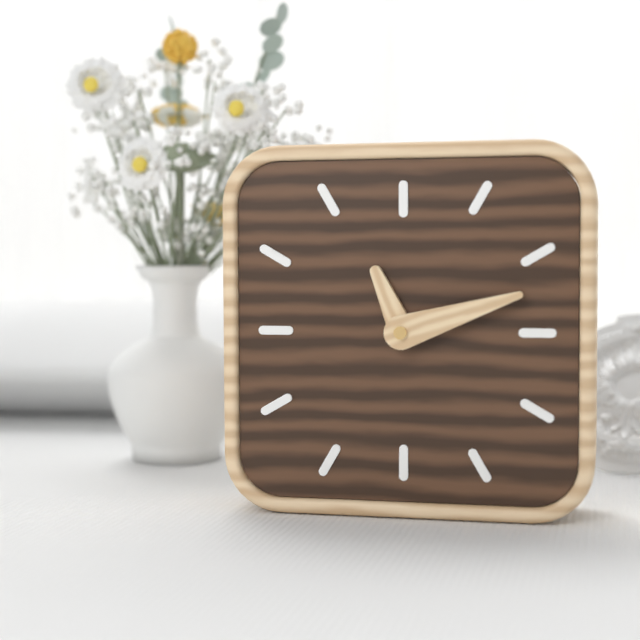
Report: 11:12
